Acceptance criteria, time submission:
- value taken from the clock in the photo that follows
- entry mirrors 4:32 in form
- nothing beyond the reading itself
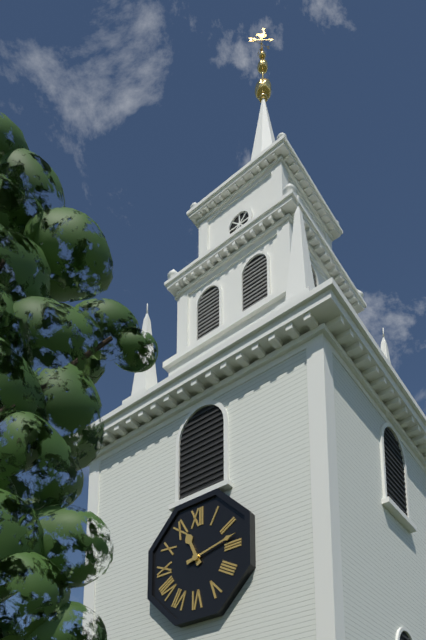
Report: 11:13
